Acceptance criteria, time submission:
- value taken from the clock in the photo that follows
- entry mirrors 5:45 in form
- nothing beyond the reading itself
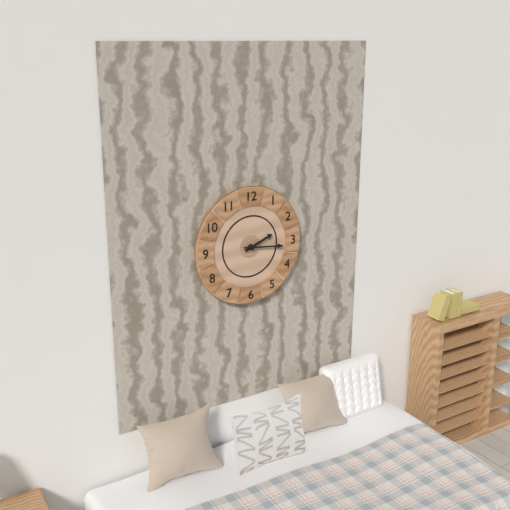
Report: 2:16
